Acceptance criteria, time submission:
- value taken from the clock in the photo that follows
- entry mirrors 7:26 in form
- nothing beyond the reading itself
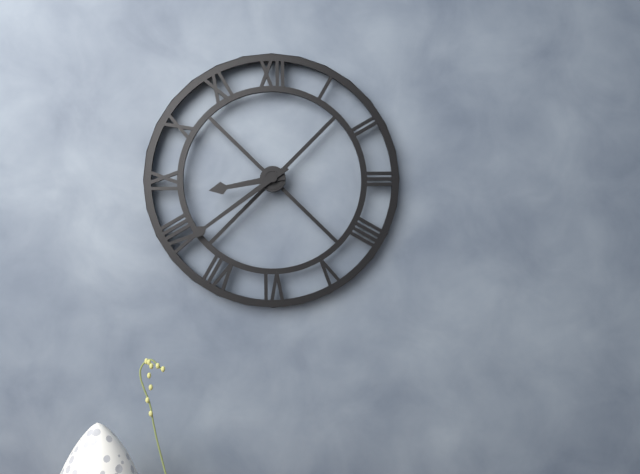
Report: 8:39
